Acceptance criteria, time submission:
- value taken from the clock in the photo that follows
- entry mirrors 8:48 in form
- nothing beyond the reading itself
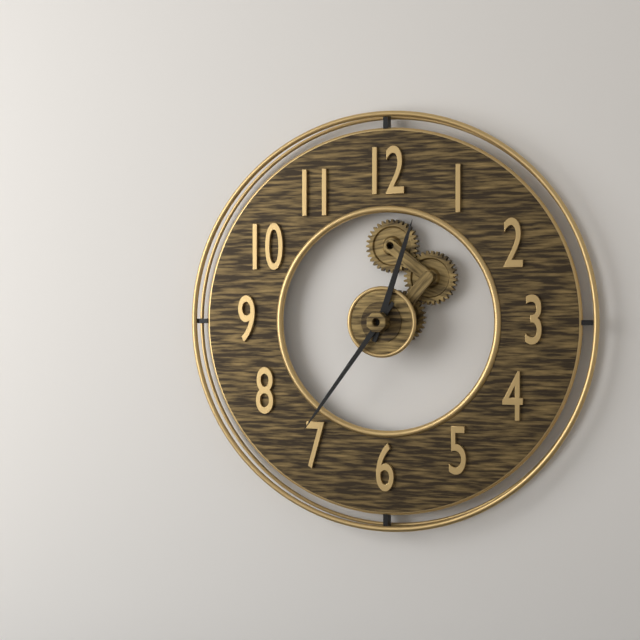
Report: 12:36
